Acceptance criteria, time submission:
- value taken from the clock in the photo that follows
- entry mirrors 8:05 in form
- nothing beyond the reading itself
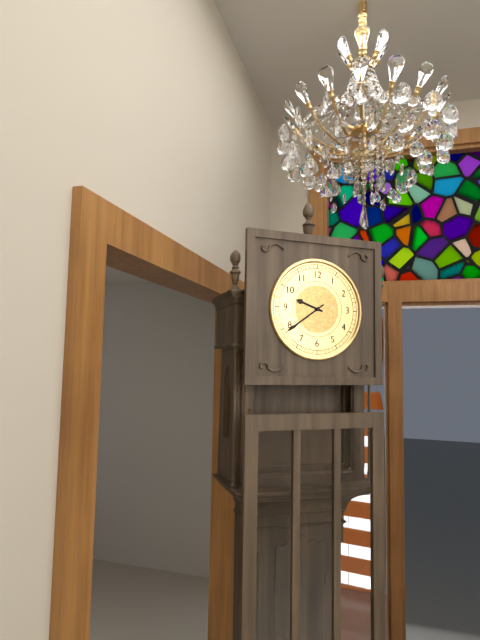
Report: 9:39
